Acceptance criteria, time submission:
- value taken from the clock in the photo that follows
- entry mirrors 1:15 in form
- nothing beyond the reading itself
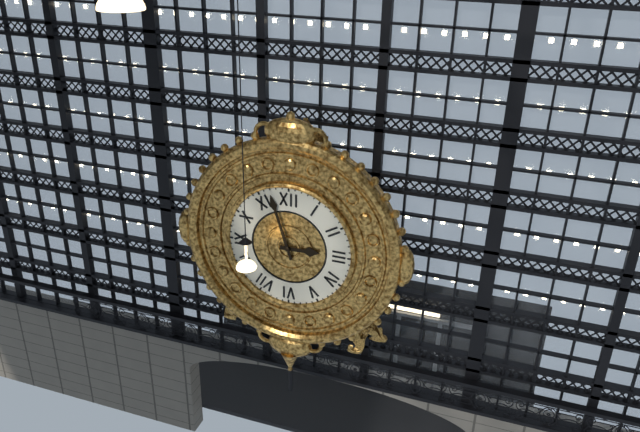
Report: 2:57
